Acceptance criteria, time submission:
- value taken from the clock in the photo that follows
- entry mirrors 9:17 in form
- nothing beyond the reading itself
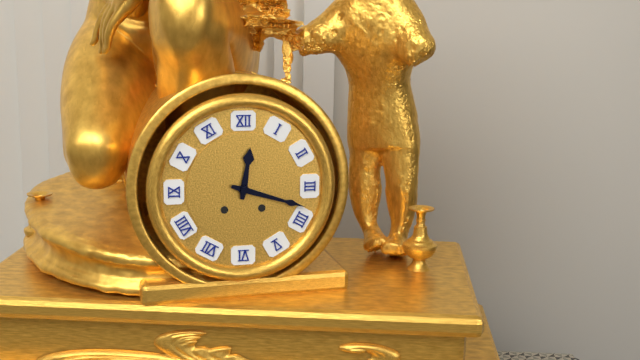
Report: 12:18
